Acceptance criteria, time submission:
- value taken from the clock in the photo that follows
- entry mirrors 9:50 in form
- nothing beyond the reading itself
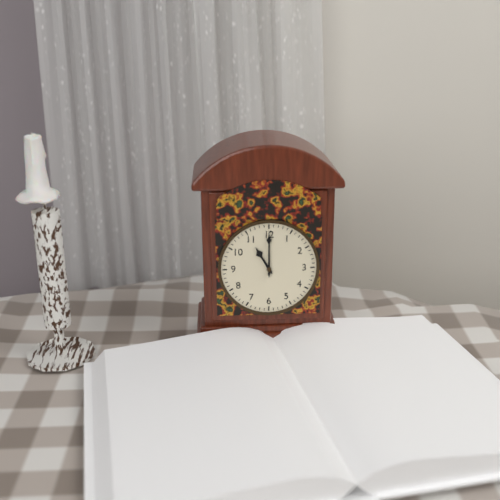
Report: 11:00
